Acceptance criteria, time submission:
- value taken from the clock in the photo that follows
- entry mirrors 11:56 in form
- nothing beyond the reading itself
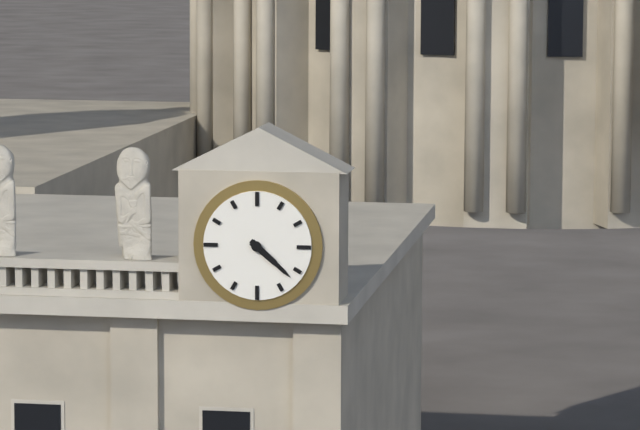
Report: 4:22
